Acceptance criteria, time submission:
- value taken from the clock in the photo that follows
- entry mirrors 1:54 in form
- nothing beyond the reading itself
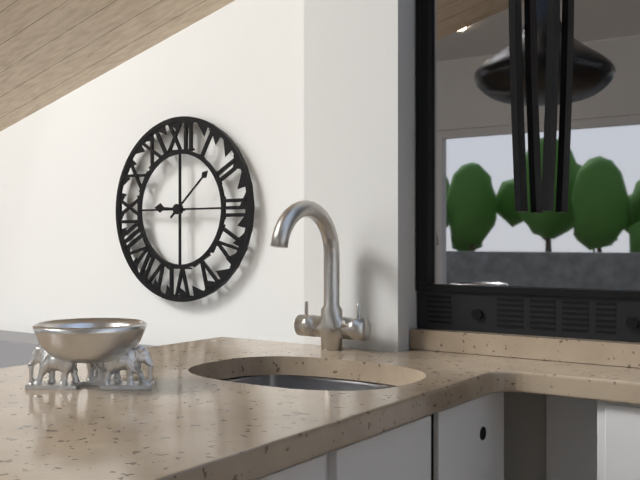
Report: 9:08
